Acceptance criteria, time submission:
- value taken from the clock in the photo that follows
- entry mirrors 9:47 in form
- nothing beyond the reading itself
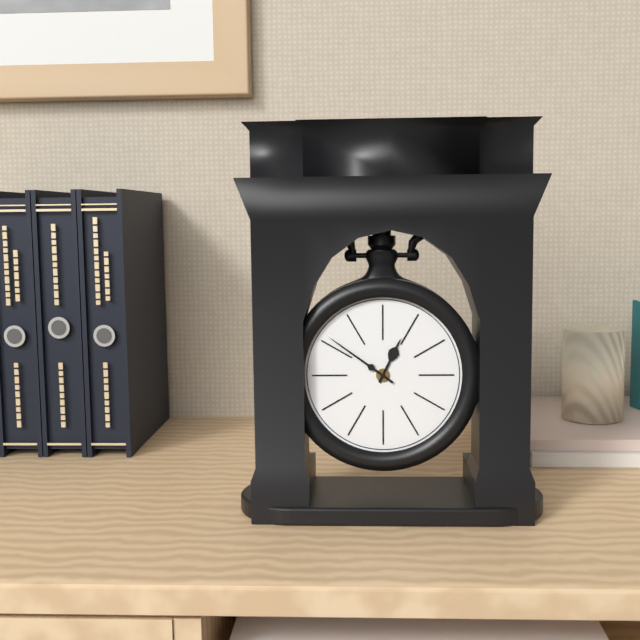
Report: 12:51
